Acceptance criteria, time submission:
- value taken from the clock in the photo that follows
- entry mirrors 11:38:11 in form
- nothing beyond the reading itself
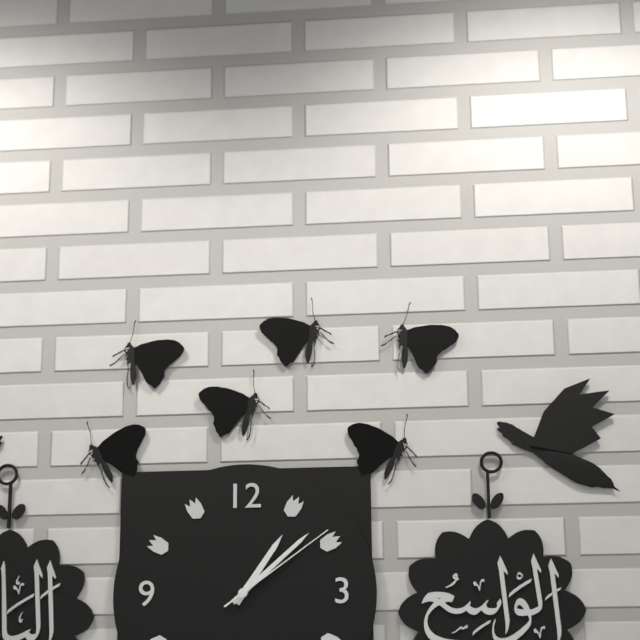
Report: 1:08:09
